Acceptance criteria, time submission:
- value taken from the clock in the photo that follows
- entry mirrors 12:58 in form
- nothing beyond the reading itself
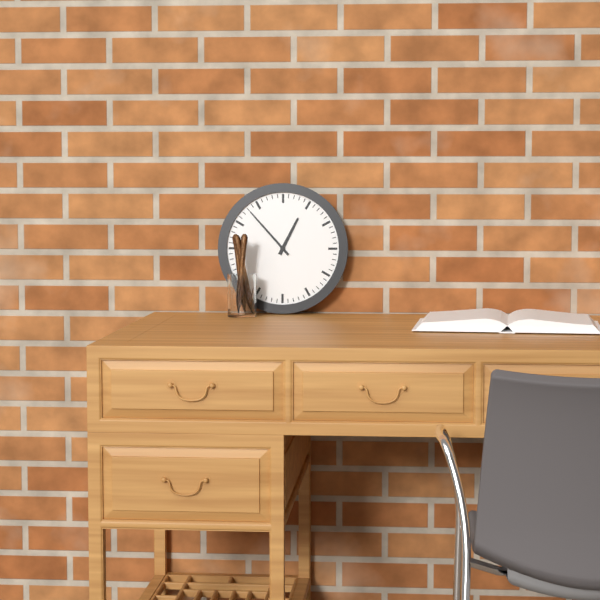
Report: 12:53
